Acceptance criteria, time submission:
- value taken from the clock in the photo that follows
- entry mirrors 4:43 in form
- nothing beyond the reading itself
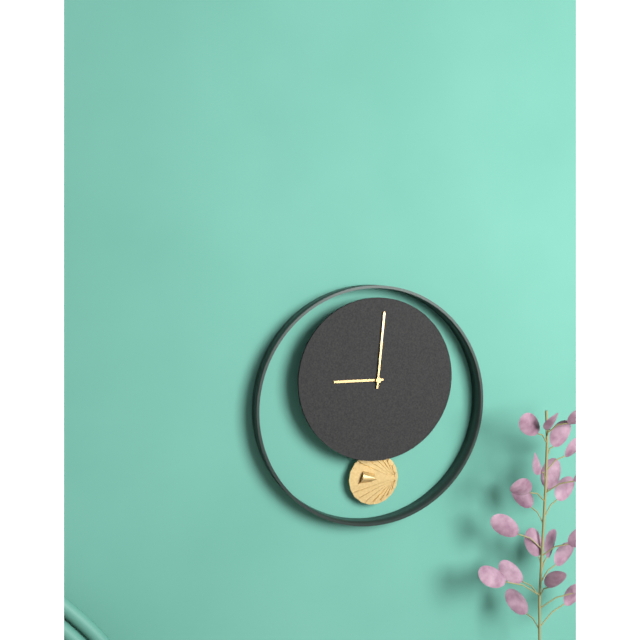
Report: 9:01
